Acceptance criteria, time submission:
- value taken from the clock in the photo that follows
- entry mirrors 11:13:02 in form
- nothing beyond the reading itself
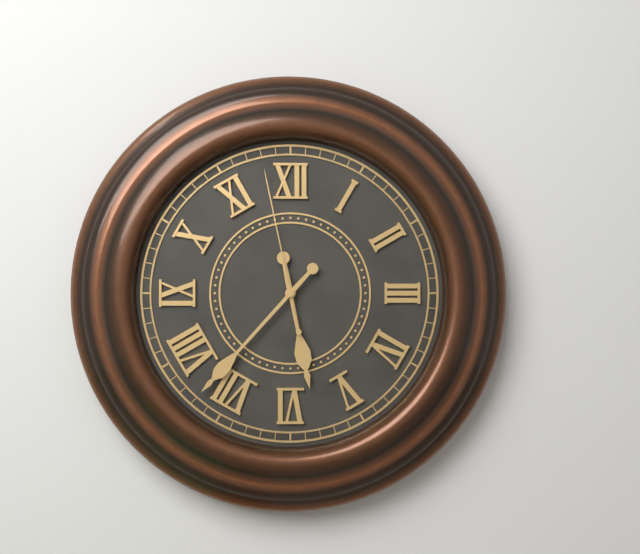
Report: 5:37:58
